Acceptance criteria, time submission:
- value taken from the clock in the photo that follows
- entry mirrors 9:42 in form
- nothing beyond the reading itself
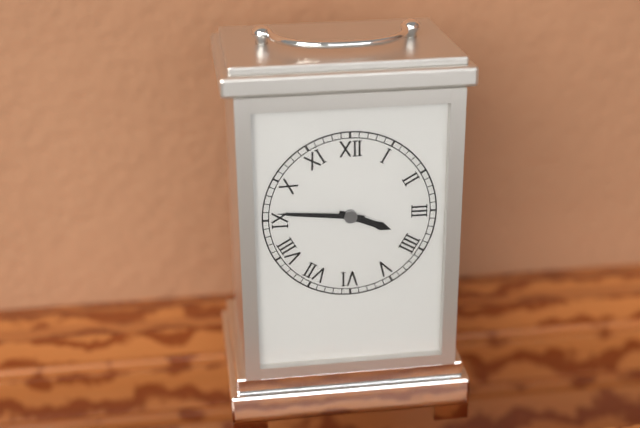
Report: 3:46
